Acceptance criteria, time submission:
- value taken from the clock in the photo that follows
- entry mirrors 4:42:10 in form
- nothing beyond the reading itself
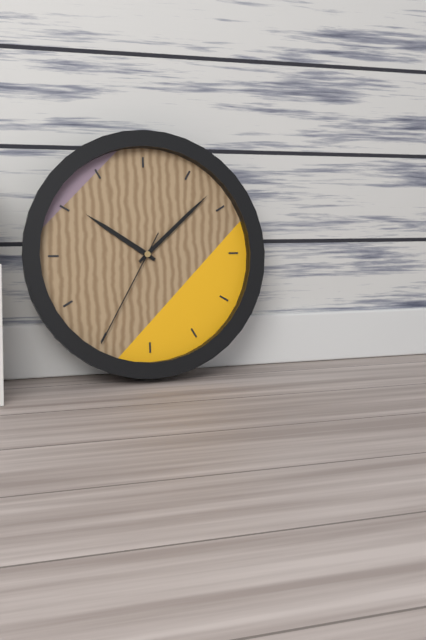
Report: 10:08:35
